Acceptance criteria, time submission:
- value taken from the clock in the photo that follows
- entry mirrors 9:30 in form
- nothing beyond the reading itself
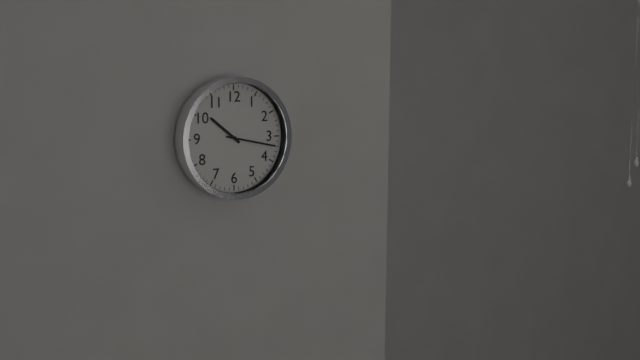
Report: 10:17
